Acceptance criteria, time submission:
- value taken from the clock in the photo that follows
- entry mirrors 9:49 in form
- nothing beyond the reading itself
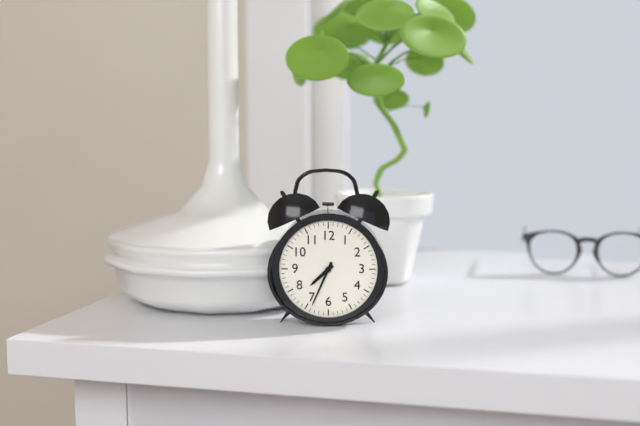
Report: 7:34
